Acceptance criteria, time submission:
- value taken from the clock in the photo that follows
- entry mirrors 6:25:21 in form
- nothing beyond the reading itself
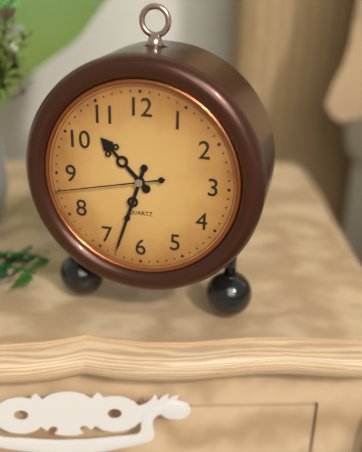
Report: 10:33:43
